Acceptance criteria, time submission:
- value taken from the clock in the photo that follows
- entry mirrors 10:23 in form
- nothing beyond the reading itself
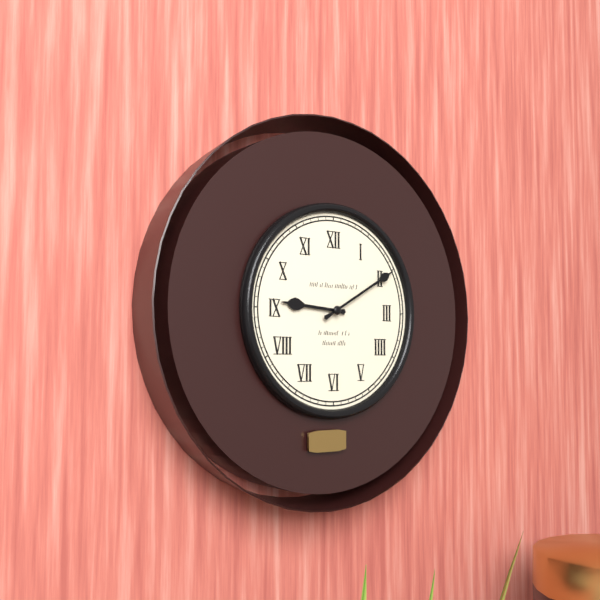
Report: 9:10
